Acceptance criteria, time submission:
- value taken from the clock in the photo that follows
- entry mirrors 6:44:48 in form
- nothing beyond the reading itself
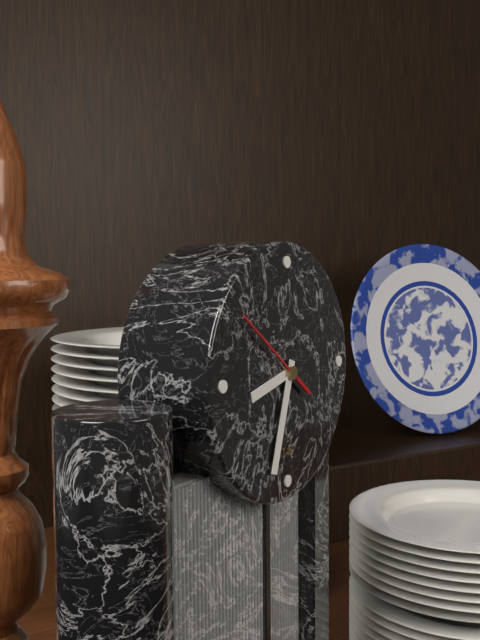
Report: 8:33:51
